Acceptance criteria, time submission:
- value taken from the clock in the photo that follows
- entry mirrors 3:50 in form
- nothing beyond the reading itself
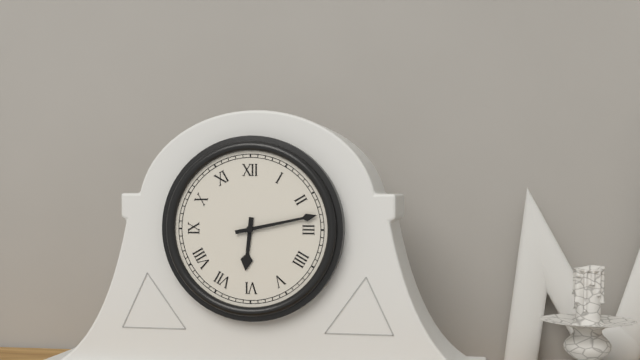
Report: 6:13
